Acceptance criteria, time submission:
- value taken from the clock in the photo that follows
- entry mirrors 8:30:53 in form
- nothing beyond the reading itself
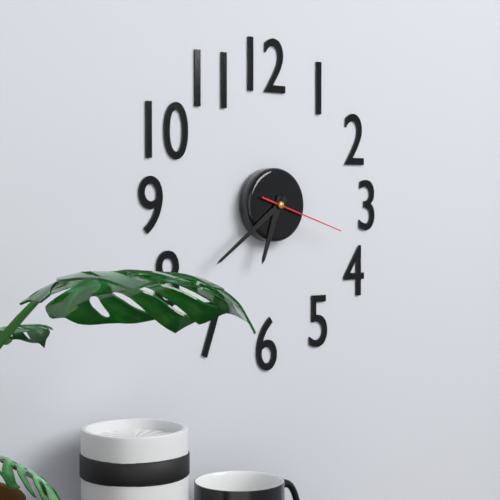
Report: 6:39:18
